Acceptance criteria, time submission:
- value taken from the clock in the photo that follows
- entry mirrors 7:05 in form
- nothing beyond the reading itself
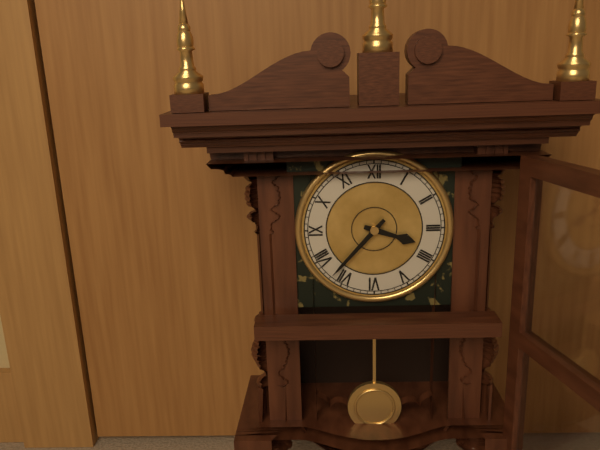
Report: 3:37
